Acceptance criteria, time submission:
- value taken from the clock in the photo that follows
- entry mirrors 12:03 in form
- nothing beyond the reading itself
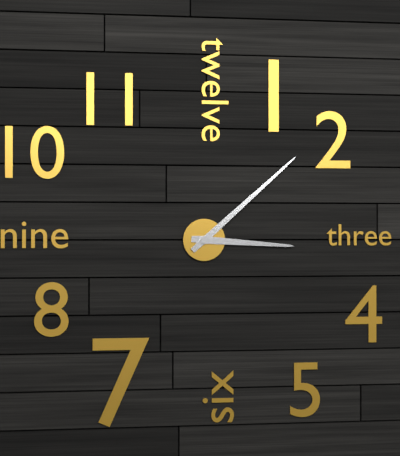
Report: 3:08
